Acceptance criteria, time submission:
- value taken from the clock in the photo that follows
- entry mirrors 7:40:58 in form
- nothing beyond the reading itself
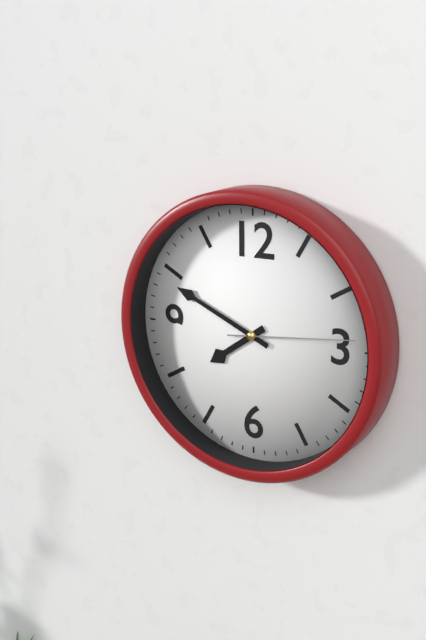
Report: 7:49:14
